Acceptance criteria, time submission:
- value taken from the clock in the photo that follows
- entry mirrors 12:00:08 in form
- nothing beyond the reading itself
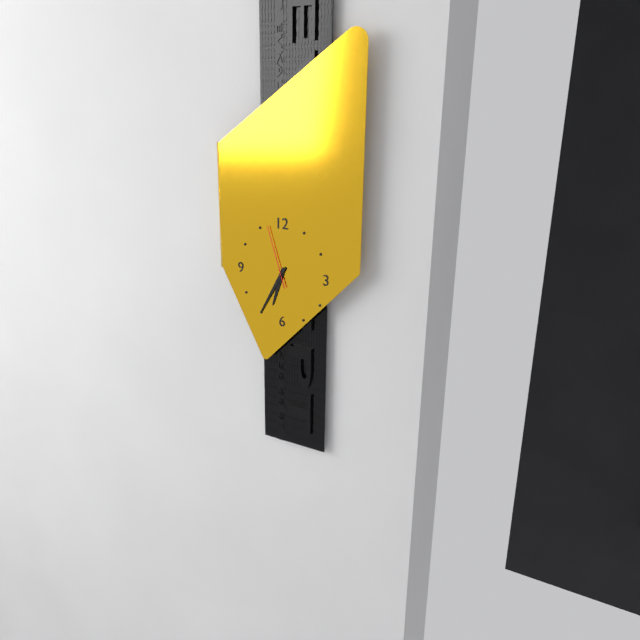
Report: 6:35:57
